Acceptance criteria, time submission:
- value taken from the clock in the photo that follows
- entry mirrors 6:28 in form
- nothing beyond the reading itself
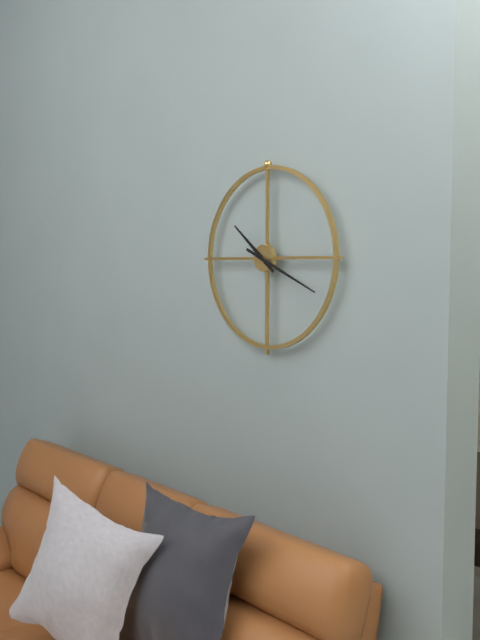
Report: 10:19
